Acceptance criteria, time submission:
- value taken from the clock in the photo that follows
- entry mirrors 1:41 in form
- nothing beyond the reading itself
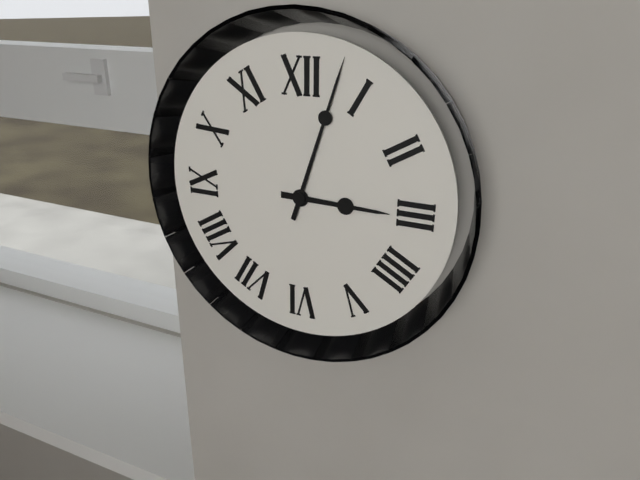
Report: 3:03
